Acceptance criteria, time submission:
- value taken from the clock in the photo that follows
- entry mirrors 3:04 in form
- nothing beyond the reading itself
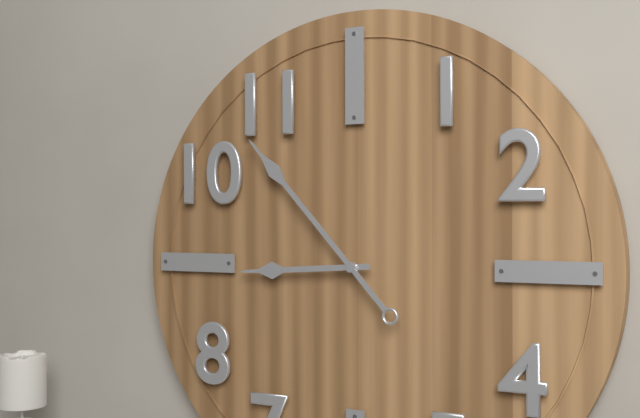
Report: 8:53
